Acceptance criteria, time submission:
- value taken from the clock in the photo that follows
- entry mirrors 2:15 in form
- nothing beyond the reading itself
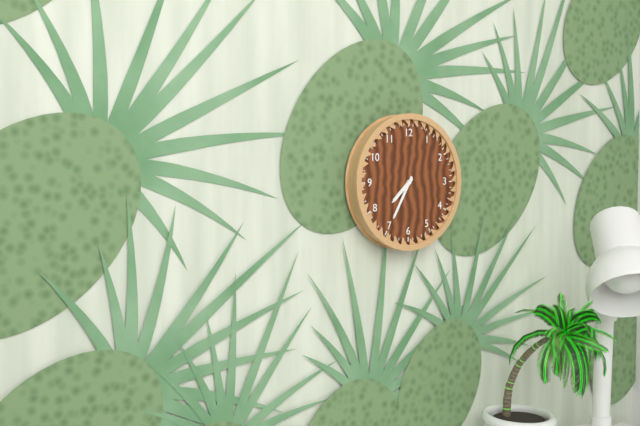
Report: 7:35
